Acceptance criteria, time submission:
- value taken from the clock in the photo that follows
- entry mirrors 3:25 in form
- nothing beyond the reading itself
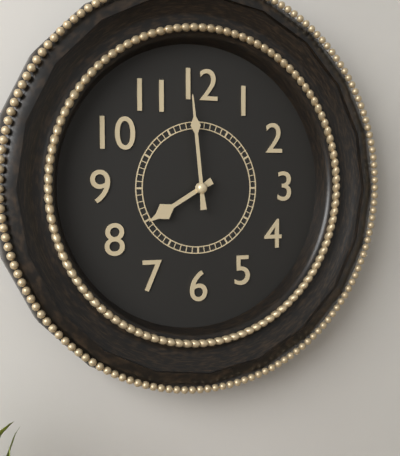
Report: 7:59
